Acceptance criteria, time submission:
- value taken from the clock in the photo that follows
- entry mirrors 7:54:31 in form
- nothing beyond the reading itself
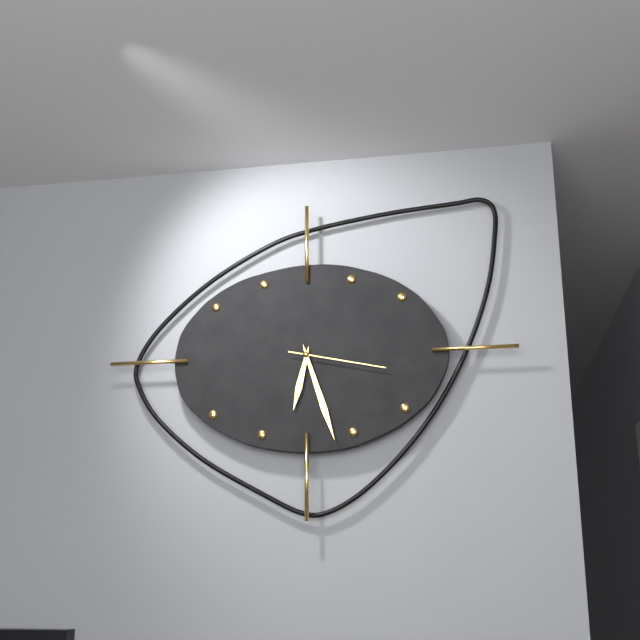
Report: 6:27:17
